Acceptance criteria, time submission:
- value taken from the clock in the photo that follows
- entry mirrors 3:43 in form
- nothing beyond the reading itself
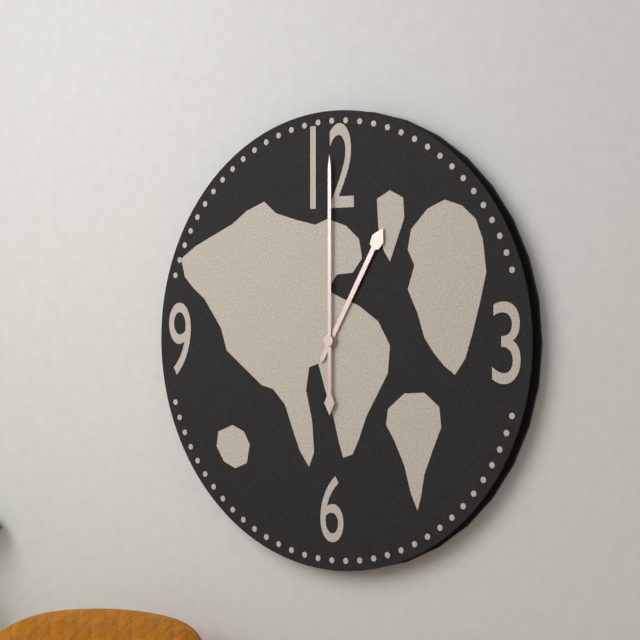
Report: 1:00
